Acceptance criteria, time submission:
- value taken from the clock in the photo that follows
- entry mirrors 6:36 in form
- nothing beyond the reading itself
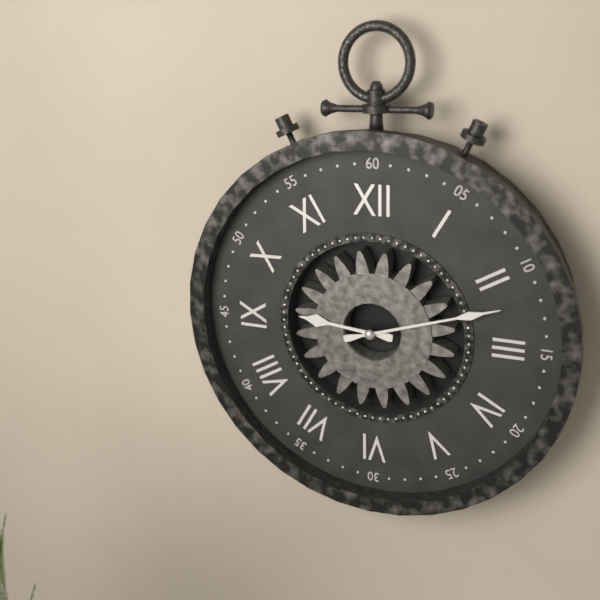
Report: 9:12
